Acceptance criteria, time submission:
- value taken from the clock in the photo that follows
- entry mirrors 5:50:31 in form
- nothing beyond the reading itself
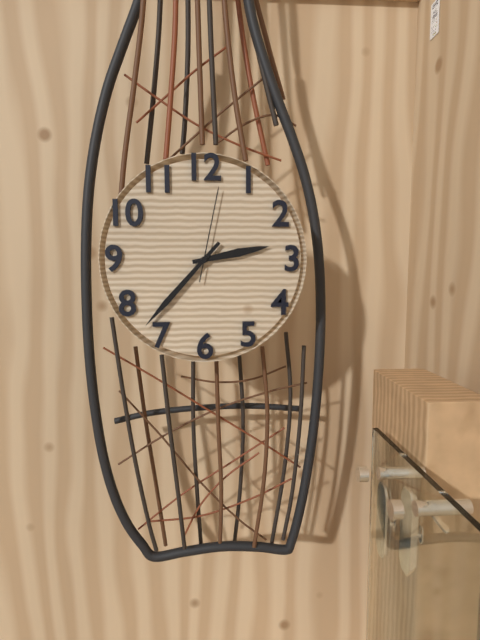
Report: 2:37:02
